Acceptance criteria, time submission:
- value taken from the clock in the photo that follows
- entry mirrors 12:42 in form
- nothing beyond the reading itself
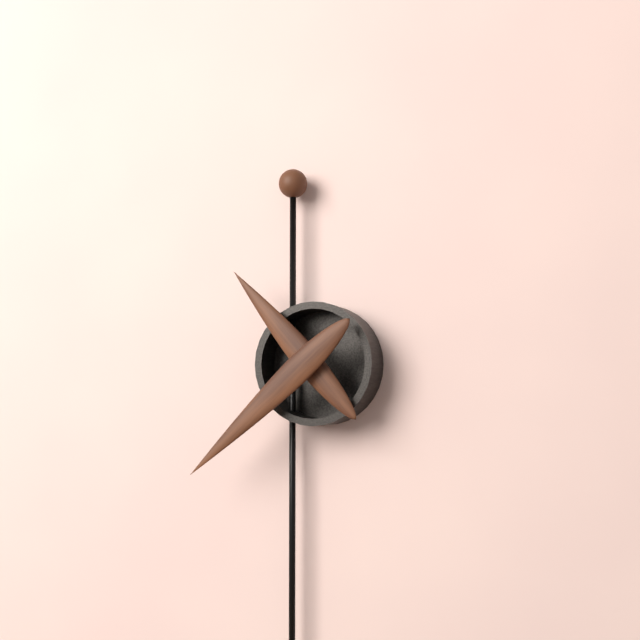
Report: 10:38
